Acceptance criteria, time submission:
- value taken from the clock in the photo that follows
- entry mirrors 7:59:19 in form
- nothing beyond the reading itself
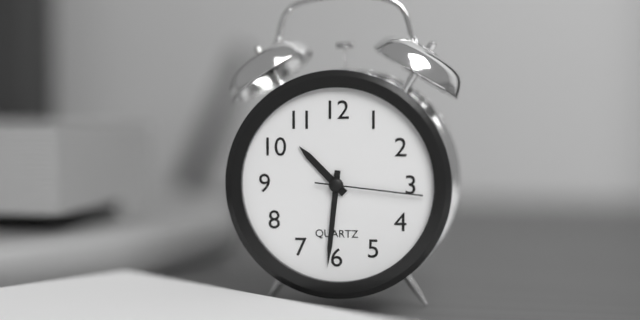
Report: 10:31:16
